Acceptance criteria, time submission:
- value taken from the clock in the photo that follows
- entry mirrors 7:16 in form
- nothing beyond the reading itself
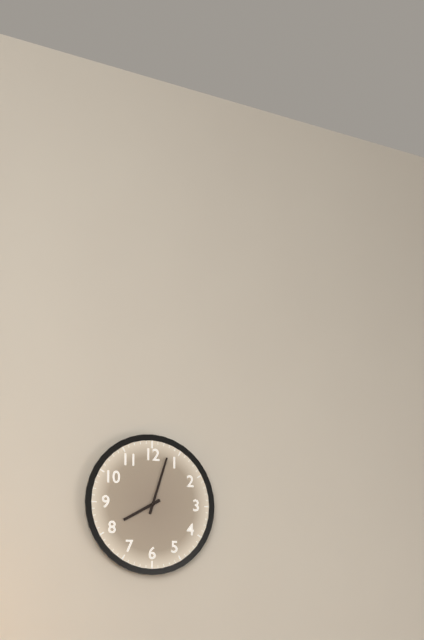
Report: 8:03
